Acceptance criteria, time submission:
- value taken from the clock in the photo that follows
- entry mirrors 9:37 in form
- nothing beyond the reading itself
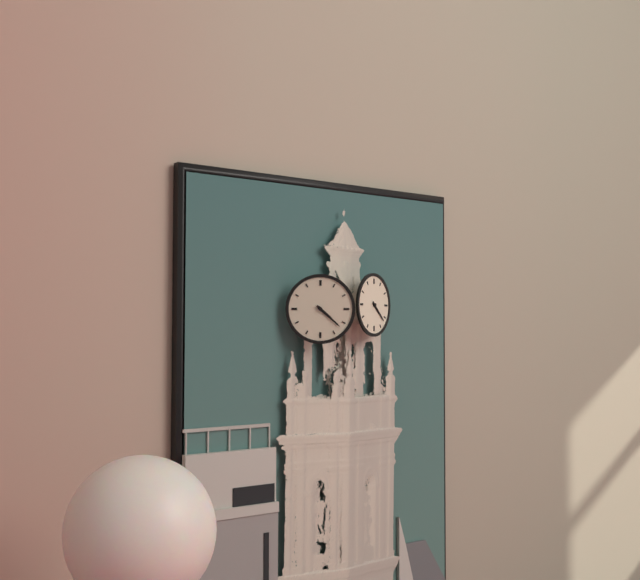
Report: 4:22
